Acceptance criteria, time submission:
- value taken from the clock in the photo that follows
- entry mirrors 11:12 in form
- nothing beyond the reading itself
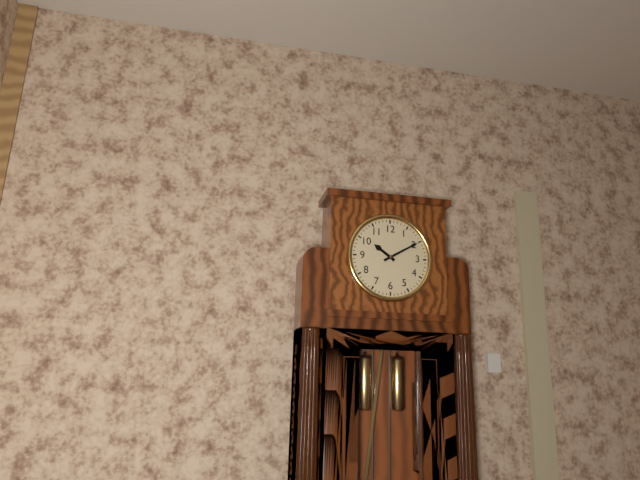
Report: 10:10
